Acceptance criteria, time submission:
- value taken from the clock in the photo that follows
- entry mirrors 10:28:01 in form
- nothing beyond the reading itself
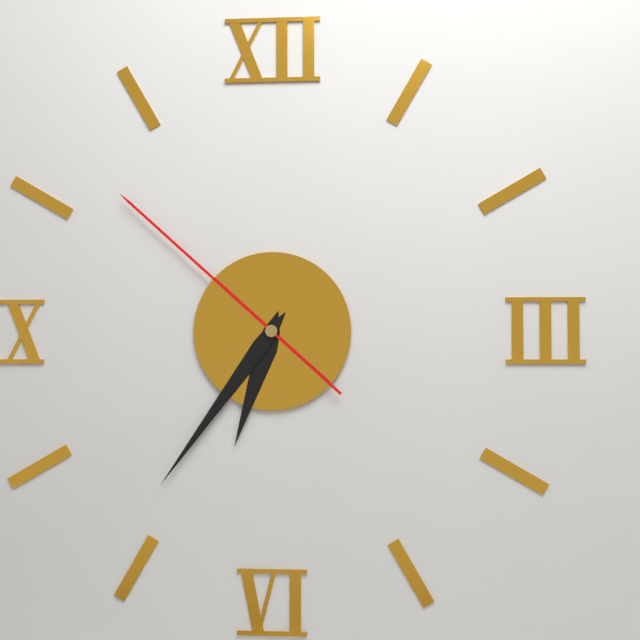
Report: 6:36:52
